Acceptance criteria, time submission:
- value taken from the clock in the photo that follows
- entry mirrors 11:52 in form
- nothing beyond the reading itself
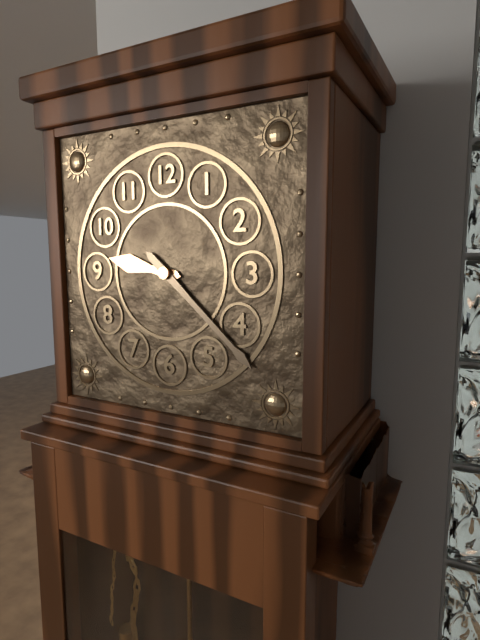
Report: 9:22
